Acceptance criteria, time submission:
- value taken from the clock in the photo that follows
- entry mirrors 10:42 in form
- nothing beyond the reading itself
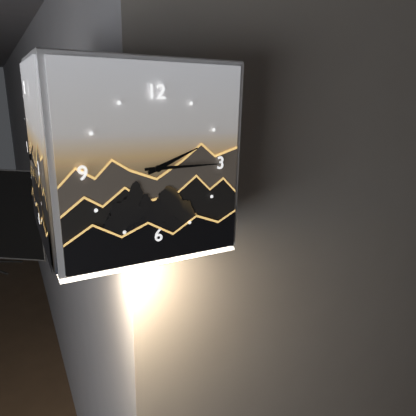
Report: 2:15
